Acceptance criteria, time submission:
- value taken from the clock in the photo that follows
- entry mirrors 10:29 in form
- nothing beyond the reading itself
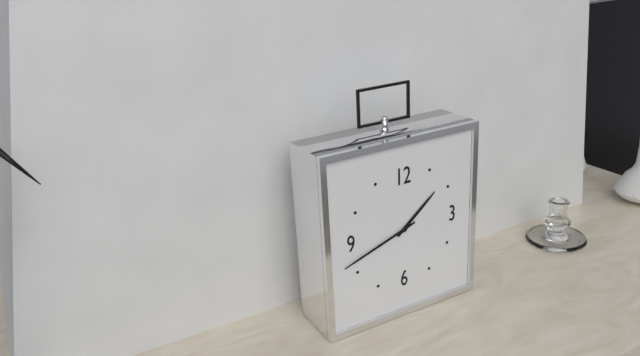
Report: 1:42
